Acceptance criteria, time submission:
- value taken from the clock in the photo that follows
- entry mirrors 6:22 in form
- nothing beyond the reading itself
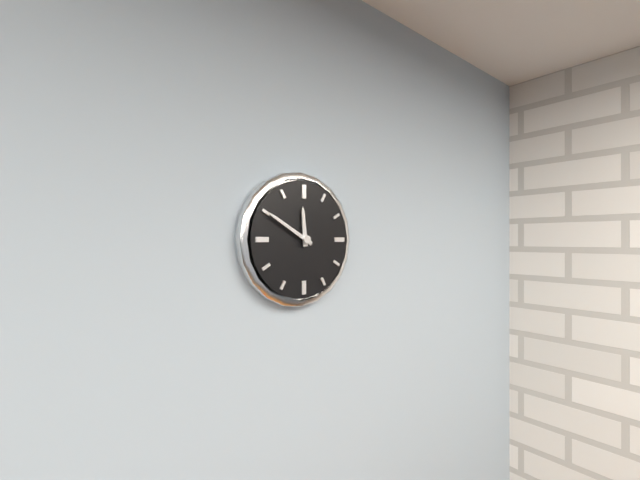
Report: 11:50
